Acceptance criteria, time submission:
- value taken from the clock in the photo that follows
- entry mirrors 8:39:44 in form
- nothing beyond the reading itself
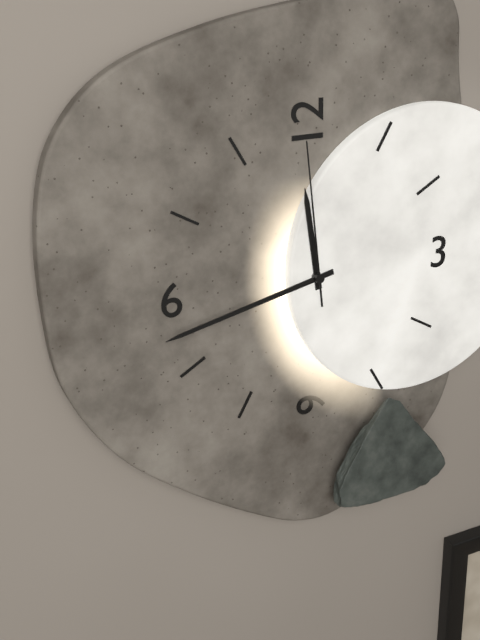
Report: 11:43:59
